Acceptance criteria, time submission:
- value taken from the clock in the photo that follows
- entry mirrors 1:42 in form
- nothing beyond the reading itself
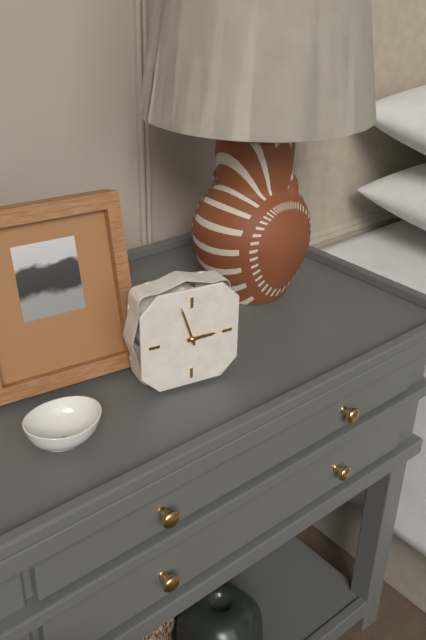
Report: 2:57
